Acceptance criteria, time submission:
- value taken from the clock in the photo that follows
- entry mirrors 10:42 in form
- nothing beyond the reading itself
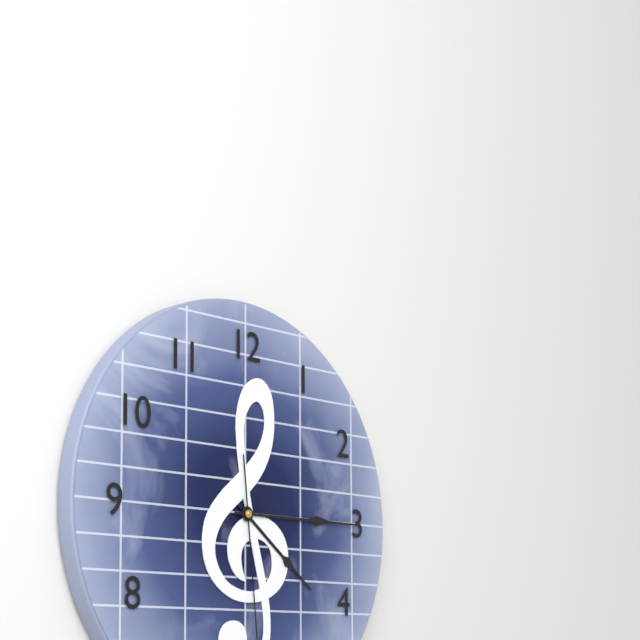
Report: 4:15
